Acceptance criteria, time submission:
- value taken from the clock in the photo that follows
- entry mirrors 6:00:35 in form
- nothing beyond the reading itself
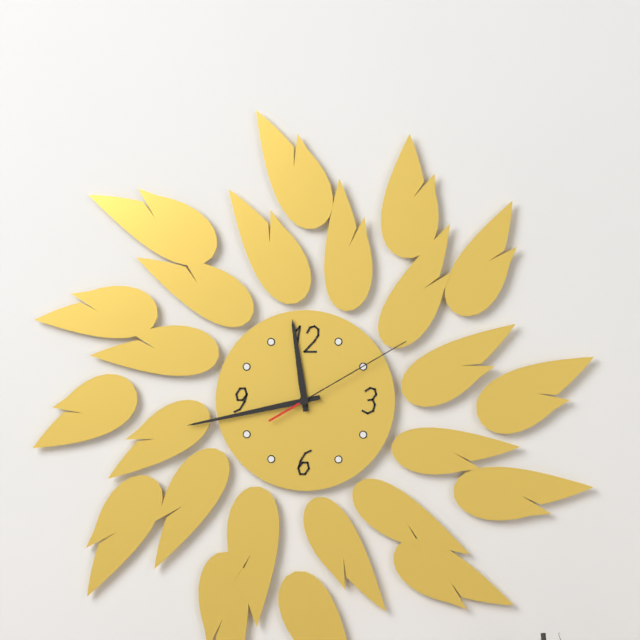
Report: 11:43:10
